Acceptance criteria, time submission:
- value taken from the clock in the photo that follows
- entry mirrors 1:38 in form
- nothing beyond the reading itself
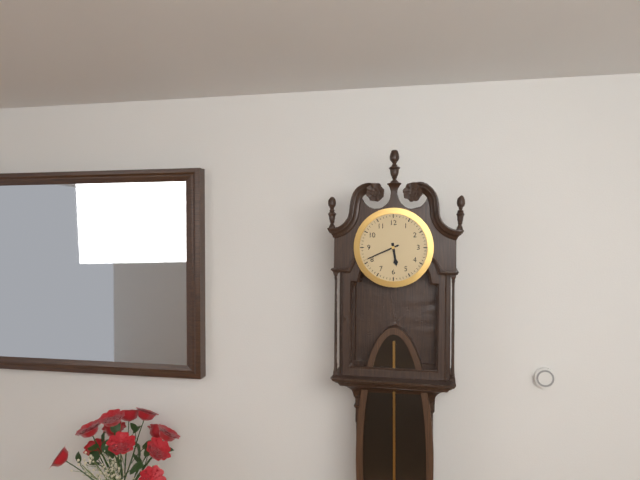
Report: 5:41
